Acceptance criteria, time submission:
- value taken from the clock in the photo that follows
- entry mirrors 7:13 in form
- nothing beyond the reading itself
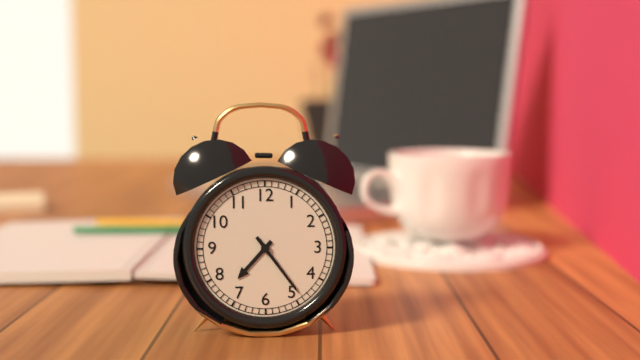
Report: 7:24
